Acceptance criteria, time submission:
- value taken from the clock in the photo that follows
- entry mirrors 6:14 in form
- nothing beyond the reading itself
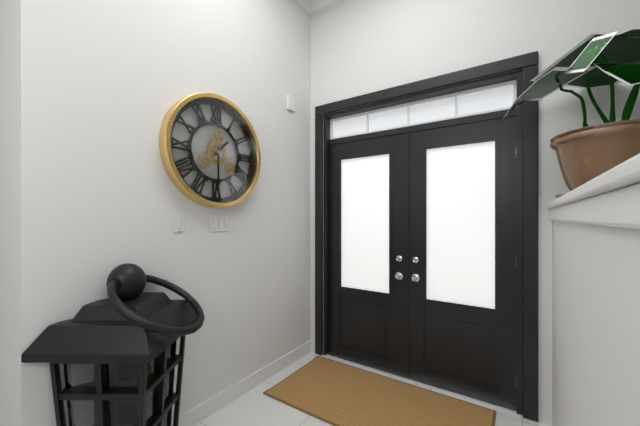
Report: 1:30
